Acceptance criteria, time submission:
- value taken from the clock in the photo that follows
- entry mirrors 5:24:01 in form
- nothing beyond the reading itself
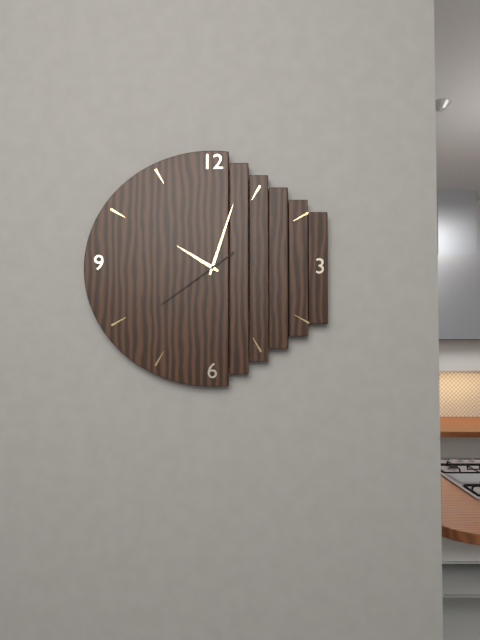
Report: 10:03:39
